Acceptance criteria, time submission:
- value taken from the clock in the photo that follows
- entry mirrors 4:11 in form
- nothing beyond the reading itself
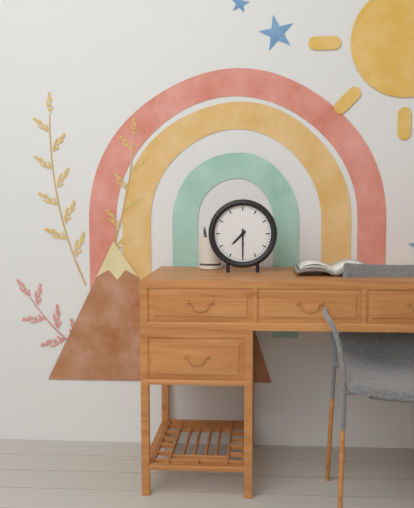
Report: 7:30
